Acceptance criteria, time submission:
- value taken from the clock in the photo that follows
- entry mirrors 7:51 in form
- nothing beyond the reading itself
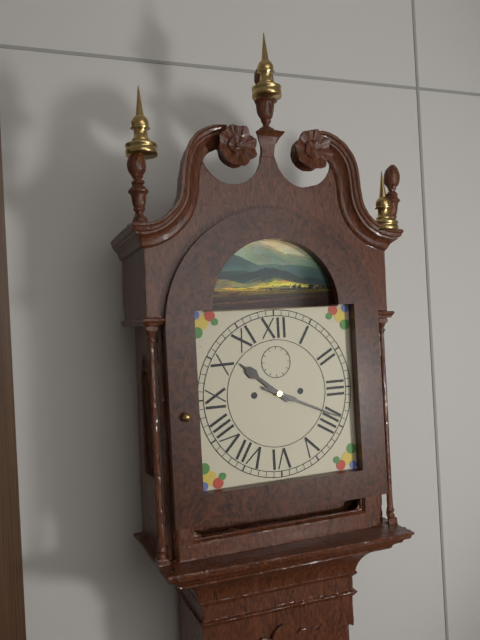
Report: 10:19
